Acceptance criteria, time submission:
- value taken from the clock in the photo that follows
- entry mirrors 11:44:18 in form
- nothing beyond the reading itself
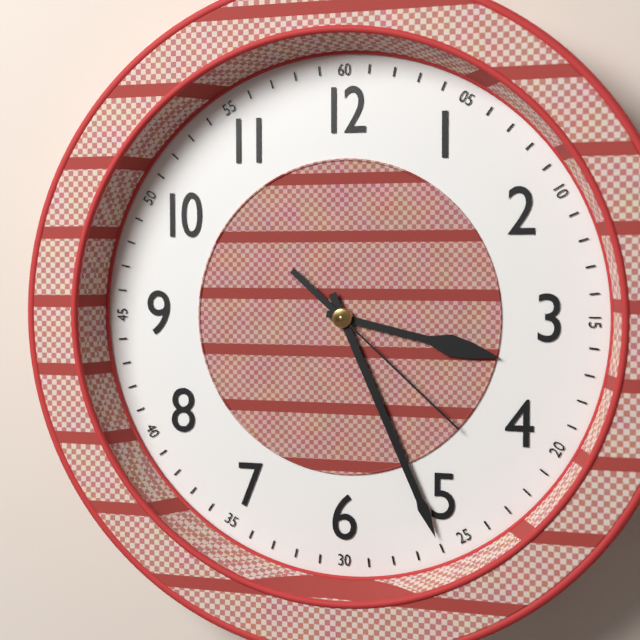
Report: 3:26:22
